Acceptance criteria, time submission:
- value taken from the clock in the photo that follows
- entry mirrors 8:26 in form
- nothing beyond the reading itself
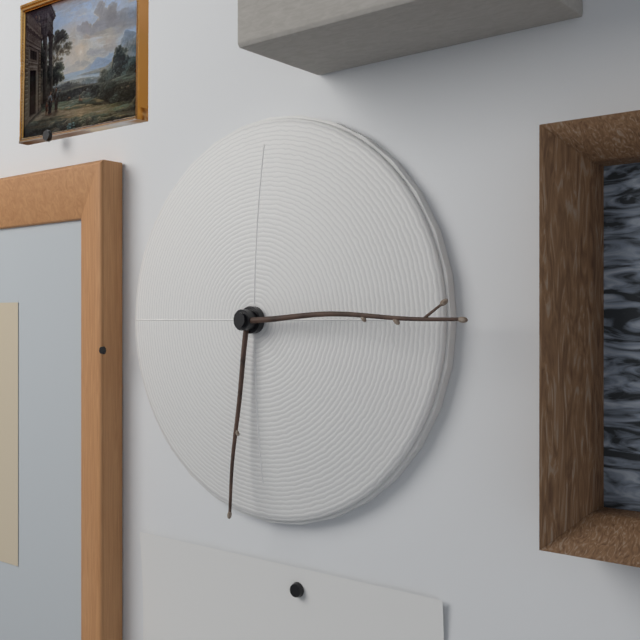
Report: 6:15
